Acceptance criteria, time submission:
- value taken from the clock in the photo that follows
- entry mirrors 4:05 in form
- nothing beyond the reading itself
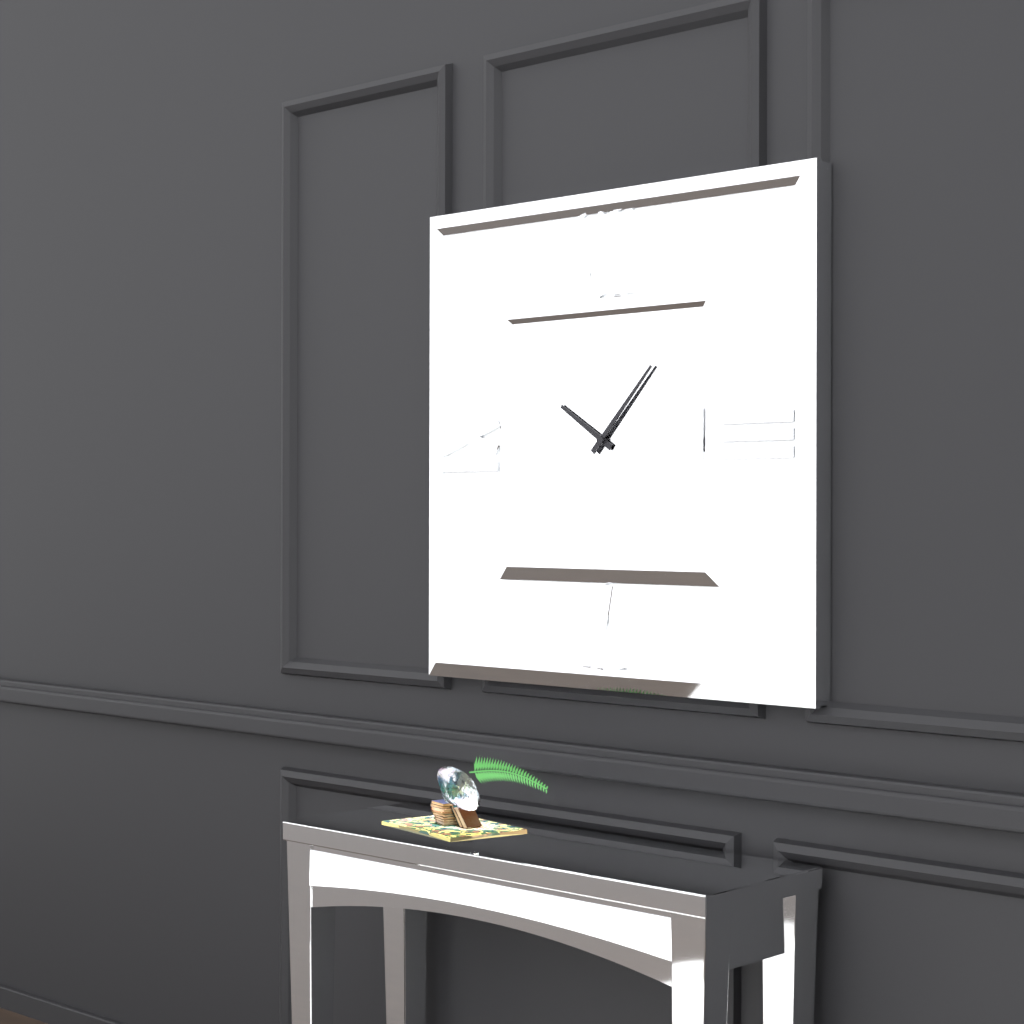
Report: 10:07
